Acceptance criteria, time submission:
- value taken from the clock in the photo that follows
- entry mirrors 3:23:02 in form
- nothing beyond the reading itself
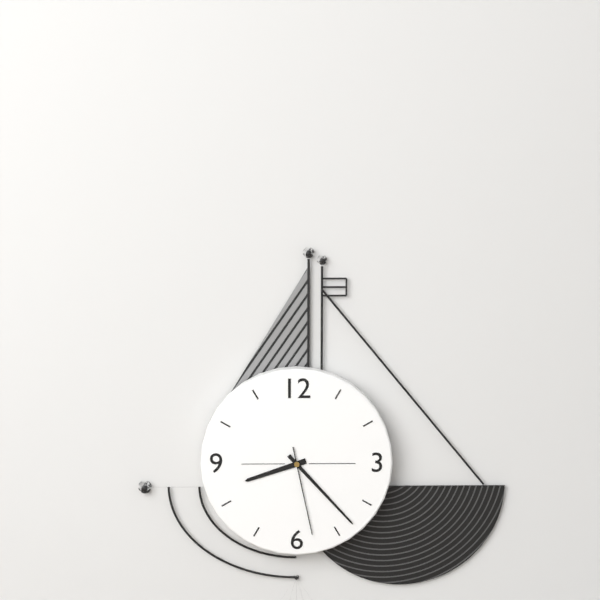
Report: 8:23:28
